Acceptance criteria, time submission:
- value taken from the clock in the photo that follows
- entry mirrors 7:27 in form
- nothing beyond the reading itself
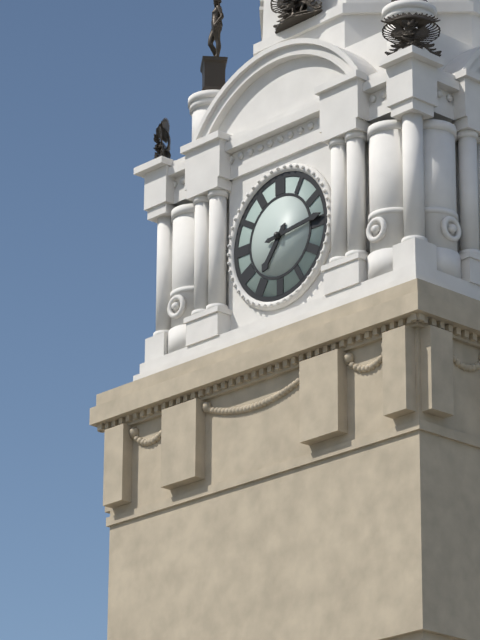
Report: 7:14
